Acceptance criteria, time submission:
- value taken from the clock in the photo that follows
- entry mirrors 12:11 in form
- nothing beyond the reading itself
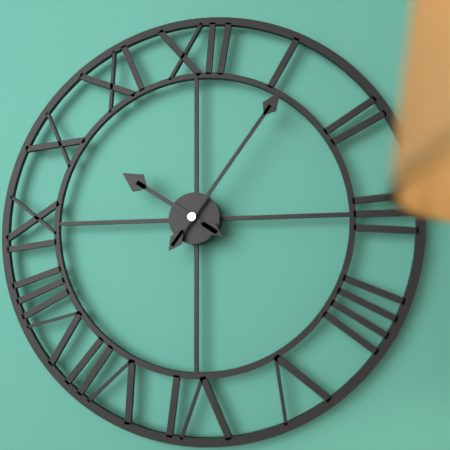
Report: 10:06
